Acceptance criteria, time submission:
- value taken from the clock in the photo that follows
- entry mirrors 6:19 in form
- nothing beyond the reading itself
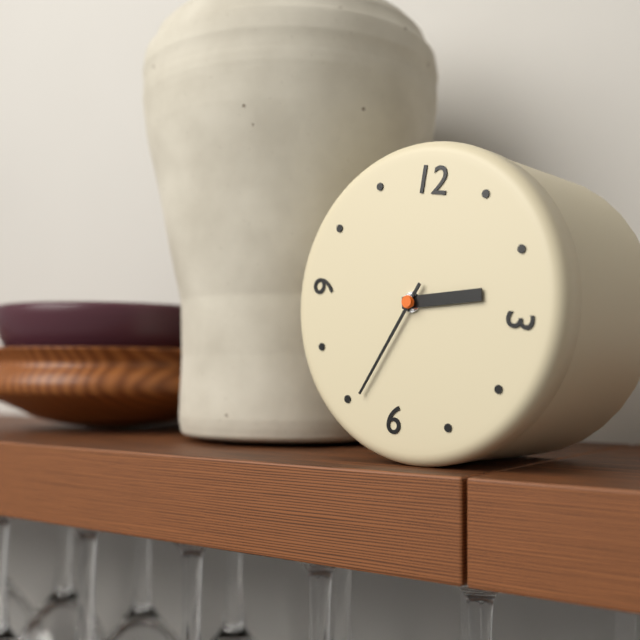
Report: 2:34
